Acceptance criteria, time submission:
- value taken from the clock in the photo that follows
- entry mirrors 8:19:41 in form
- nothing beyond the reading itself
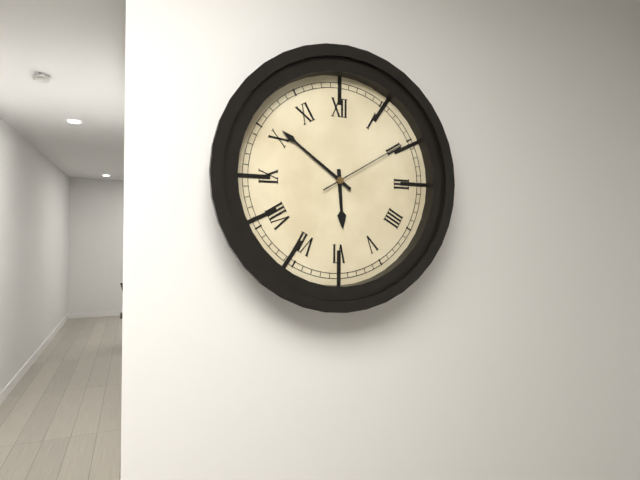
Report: 5:51:10
